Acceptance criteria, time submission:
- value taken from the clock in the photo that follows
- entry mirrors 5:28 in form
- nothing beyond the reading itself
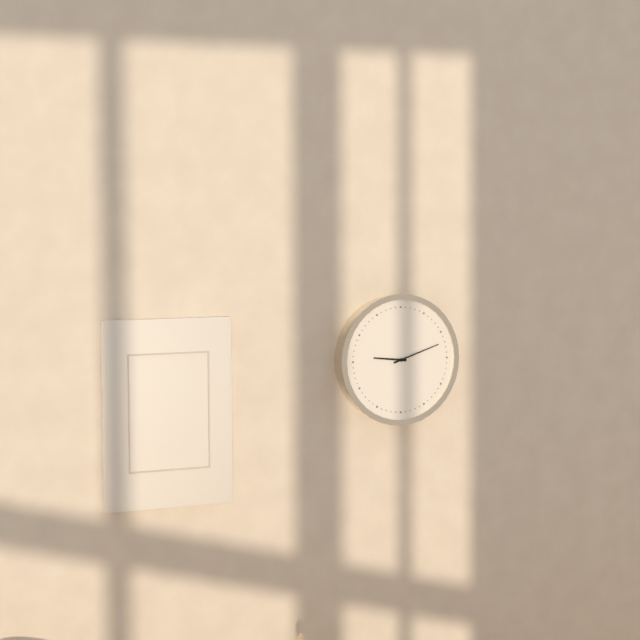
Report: 9:12
